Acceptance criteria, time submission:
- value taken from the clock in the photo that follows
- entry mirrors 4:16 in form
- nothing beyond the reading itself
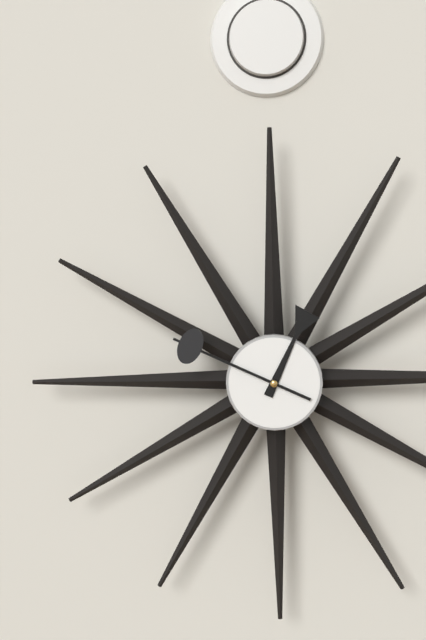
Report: 12:49
